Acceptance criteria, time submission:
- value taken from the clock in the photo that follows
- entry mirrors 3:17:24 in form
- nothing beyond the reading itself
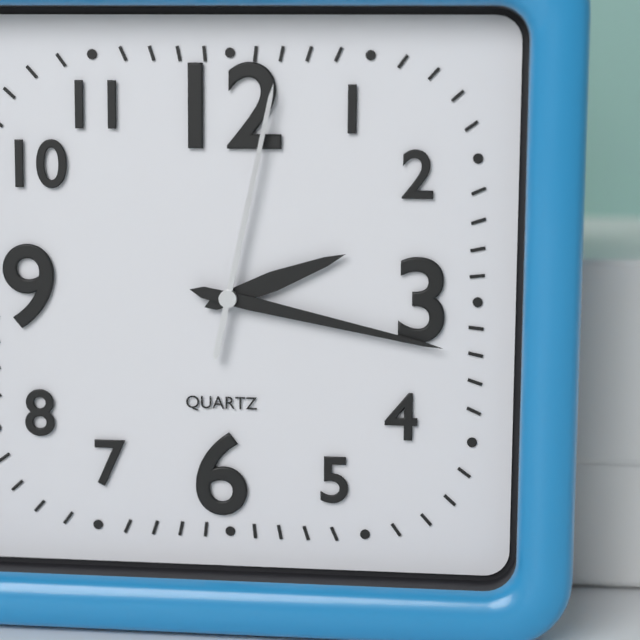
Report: 2:17:02
